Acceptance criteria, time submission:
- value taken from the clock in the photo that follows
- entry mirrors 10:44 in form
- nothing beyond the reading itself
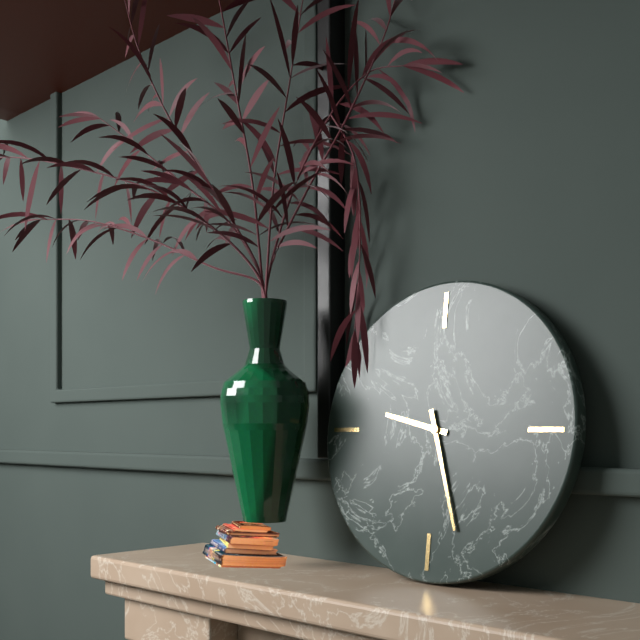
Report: 9:27
